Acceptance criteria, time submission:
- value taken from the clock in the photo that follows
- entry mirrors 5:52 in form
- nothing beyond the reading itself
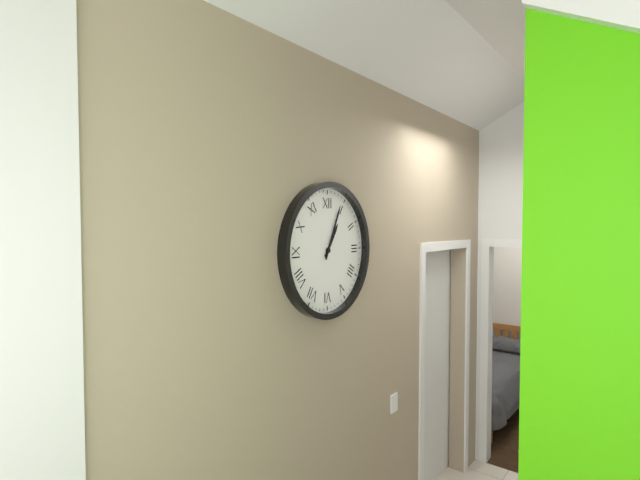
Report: 1:04
